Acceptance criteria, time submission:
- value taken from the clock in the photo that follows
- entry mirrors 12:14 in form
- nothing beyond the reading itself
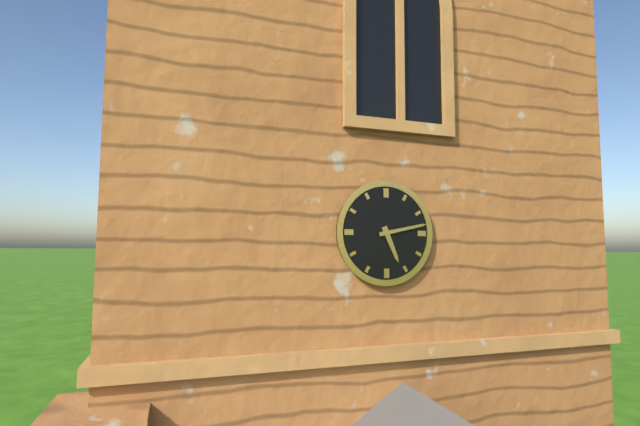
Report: 5:13
